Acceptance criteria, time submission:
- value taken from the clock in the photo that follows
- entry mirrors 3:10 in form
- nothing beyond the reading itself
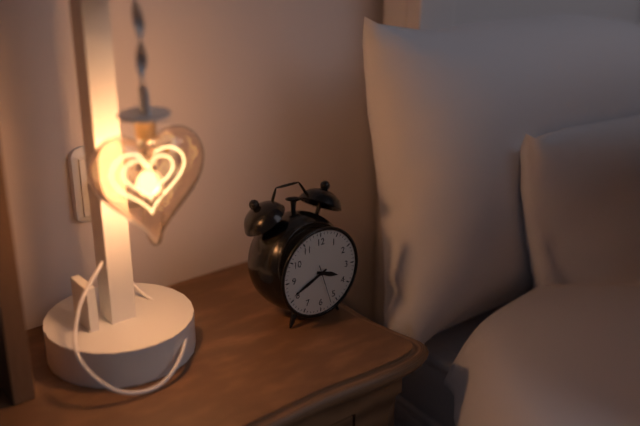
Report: 3:41
